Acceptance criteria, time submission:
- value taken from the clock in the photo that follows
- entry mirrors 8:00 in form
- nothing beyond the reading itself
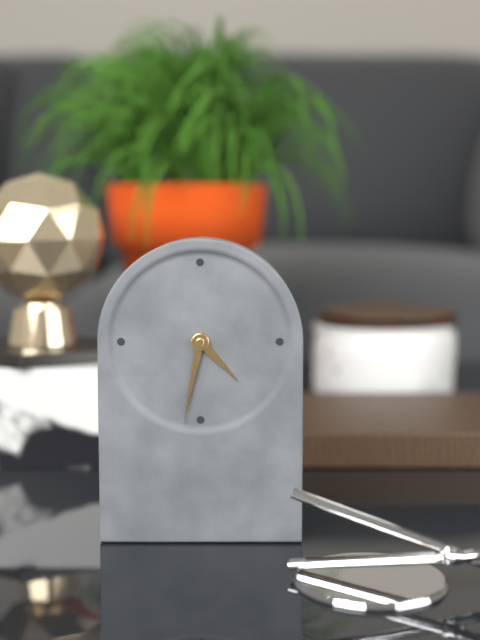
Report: 4:32
